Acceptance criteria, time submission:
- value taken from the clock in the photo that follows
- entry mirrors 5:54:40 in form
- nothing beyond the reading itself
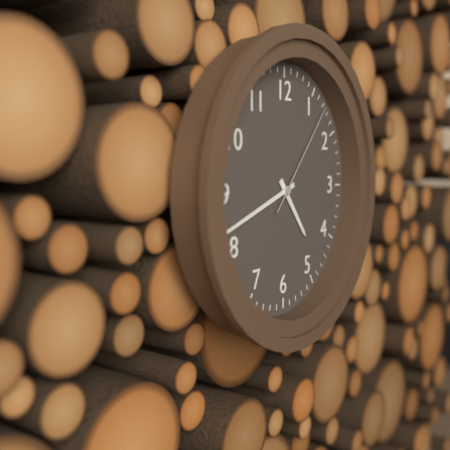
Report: 4:42:07
